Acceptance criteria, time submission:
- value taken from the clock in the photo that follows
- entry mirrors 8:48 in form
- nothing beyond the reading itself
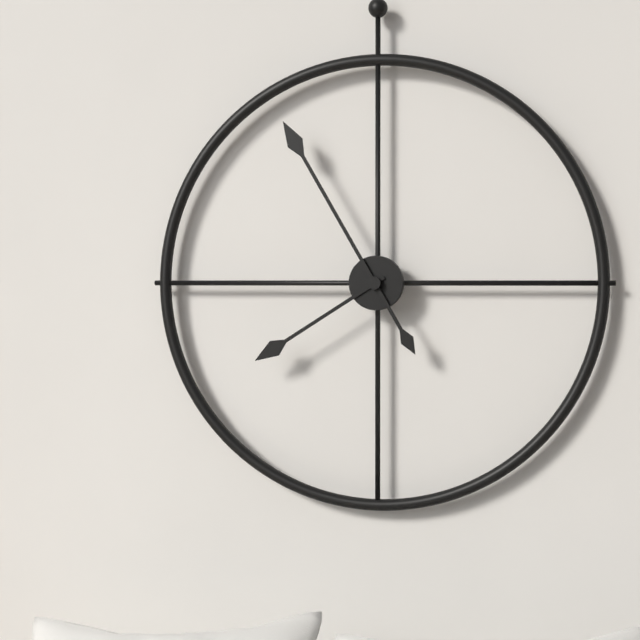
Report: 7:55
